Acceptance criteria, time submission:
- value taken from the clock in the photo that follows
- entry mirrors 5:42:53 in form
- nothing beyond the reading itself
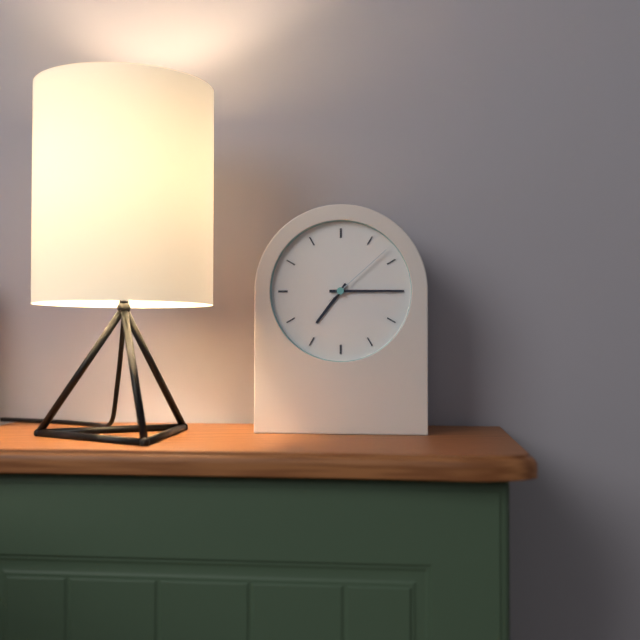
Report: 7:15:08
